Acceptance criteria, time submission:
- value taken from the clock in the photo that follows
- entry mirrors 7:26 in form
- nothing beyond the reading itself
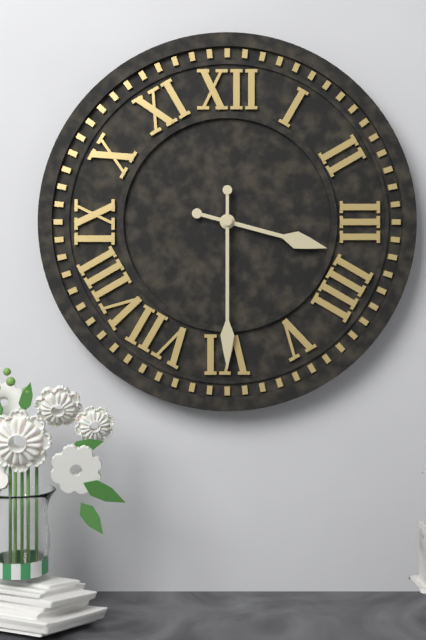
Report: 3:30
